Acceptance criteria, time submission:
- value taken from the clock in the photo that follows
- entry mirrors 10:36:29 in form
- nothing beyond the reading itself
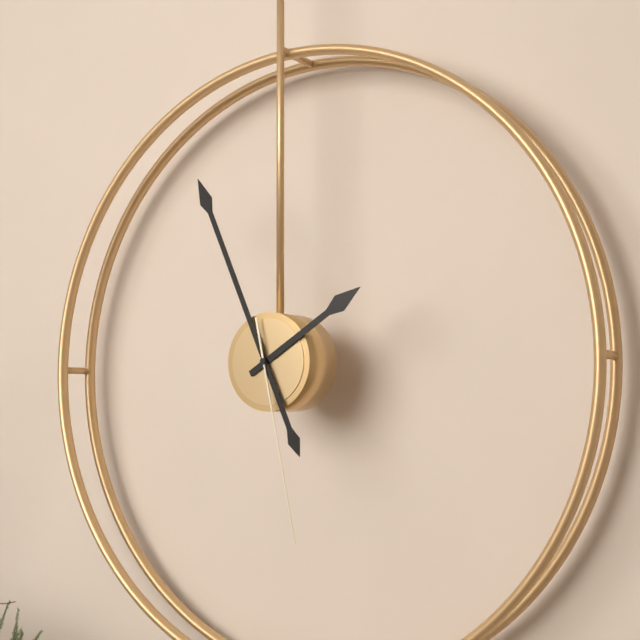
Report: 1:56:28
